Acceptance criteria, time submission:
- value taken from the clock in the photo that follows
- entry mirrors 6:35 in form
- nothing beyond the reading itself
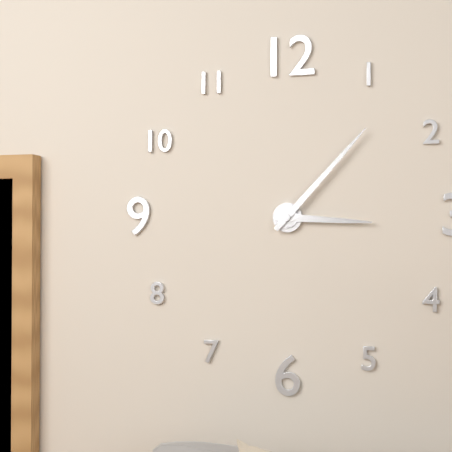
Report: 3:07
